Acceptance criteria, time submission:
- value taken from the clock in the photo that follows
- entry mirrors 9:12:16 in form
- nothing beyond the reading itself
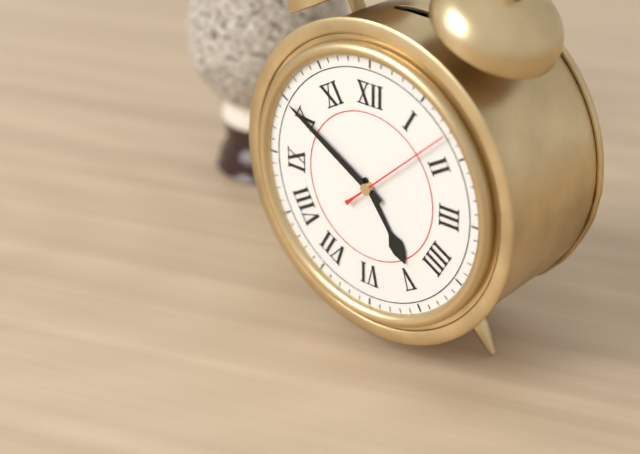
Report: 4:50:08
